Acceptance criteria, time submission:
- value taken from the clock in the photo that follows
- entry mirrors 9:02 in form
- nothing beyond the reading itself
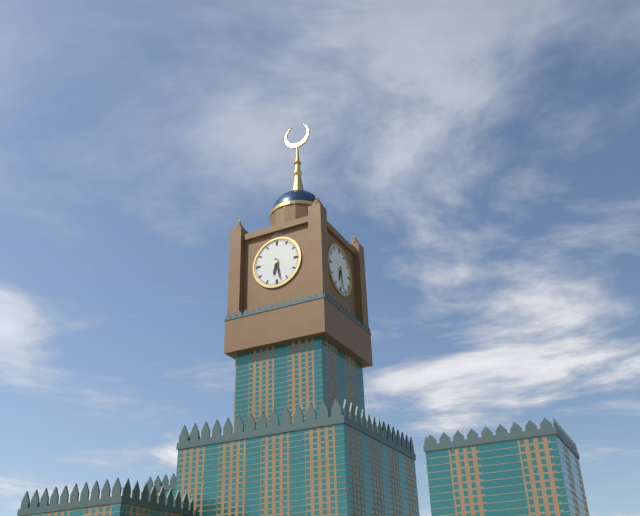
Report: 6:28
